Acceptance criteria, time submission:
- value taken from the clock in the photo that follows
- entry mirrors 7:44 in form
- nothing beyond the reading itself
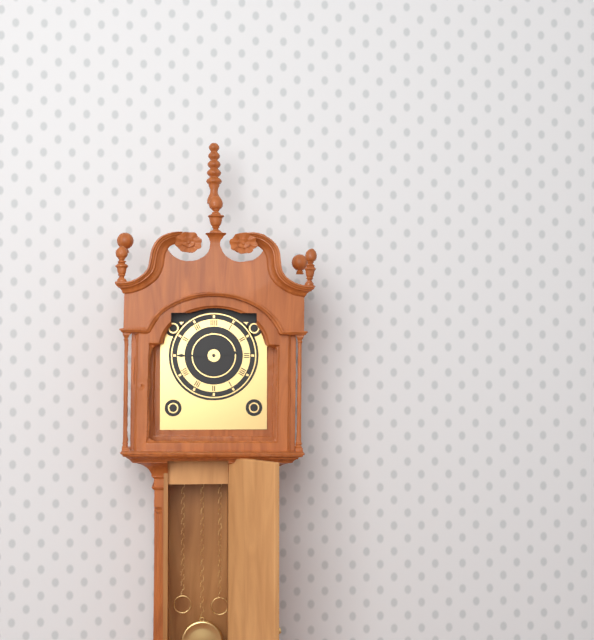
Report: 2:45
